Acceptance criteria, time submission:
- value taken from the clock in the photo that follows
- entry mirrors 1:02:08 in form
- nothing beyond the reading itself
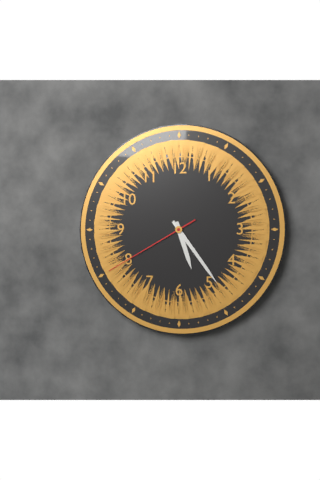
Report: 5:24:40
